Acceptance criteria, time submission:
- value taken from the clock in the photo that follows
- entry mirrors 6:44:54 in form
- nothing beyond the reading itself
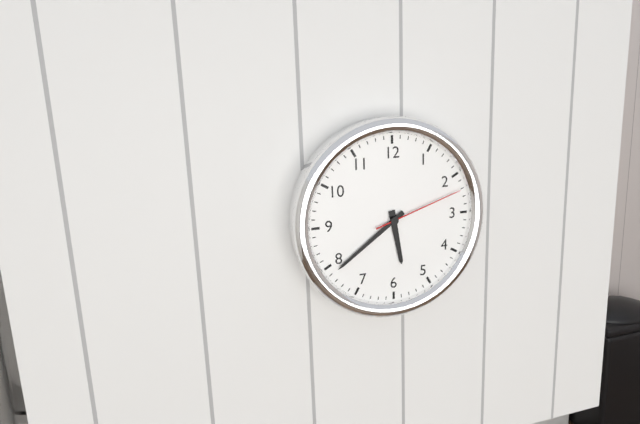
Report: 5:39:12
